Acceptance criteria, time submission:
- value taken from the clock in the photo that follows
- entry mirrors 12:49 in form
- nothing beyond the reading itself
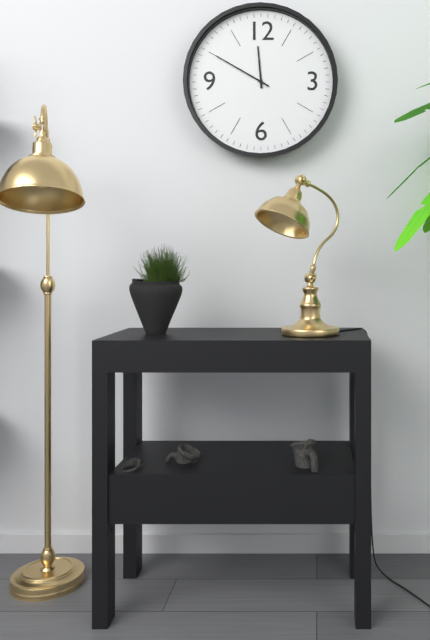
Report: 11:50
